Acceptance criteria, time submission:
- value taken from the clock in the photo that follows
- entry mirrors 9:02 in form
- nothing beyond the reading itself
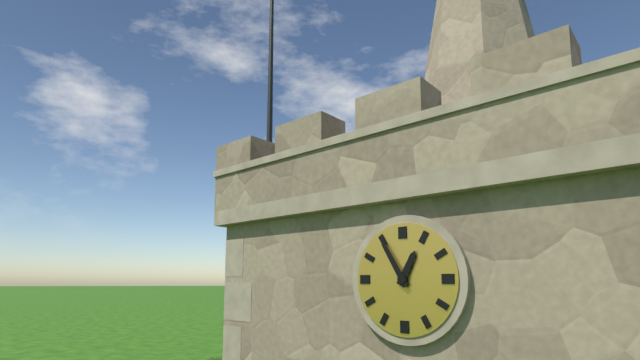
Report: 12:55
